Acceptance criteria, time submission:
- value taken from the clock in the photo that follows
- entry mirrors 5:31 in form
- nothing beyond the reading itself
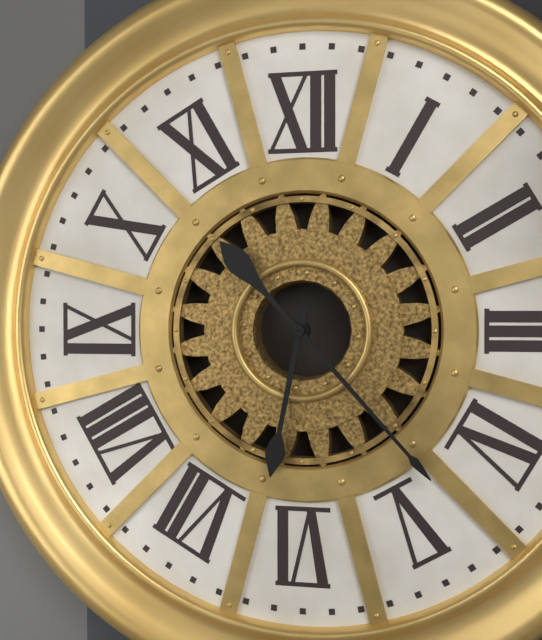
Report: 6:23
